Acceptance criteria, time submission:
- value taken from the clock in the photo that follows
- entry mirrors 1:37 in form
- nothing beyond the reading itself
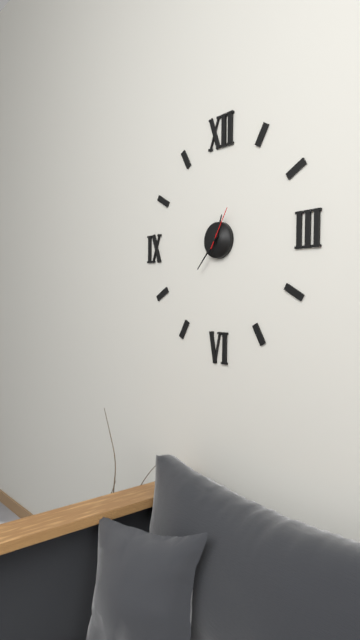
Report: 12:37
